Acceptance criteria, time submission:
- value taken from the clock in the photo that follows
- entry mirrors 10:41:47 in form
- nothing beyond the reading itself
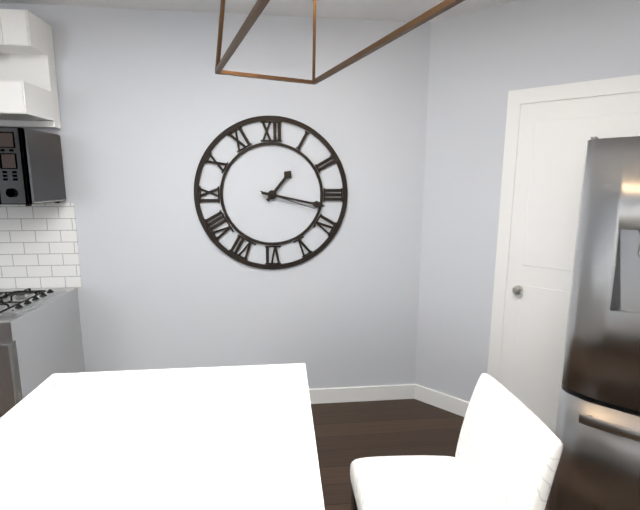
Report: 1:17:18
